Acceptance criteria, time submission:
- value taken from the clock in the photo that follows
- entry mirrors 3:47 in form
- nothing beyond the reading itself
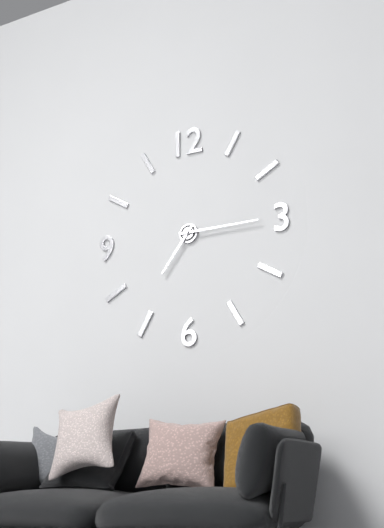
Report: 7:15
